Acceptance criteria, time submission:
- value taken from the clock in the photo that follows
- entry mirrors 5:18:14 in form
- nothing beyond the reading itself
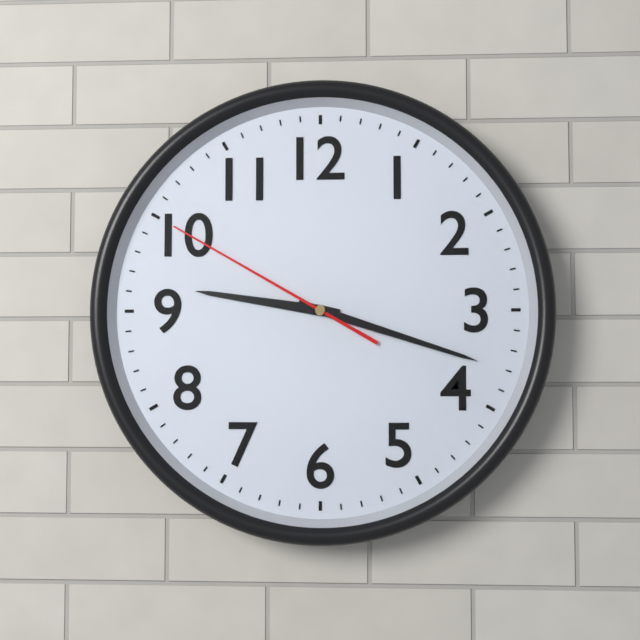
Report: 9:18:50
